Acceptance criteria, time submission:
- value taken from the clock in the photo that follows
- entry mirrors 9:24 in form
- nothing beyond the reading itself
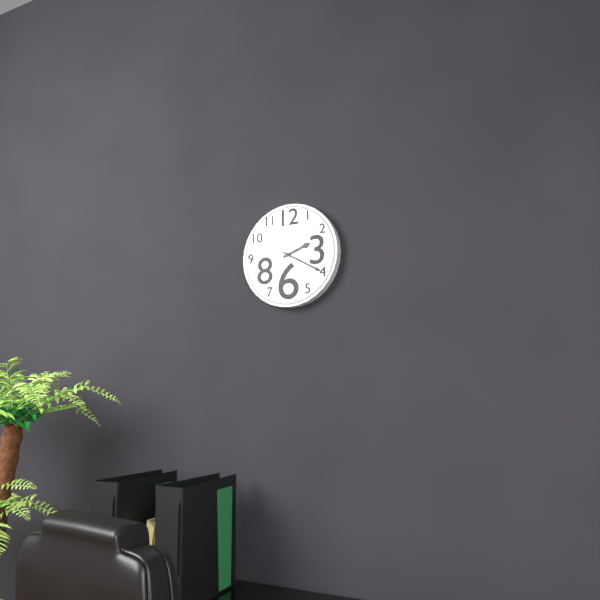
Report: 2:20
